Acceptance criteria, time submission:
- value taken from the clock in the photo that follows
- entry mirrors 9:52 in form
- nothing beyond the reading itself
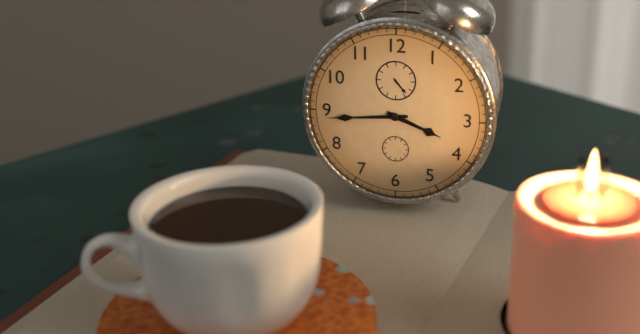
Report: 3:44
